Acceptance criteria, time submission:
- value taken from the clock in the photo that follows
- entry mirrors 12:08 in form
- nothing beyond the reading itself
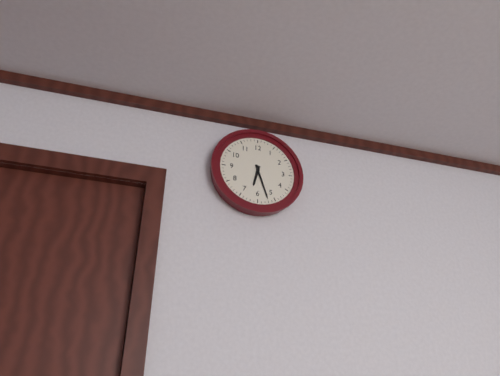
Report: 6:27
